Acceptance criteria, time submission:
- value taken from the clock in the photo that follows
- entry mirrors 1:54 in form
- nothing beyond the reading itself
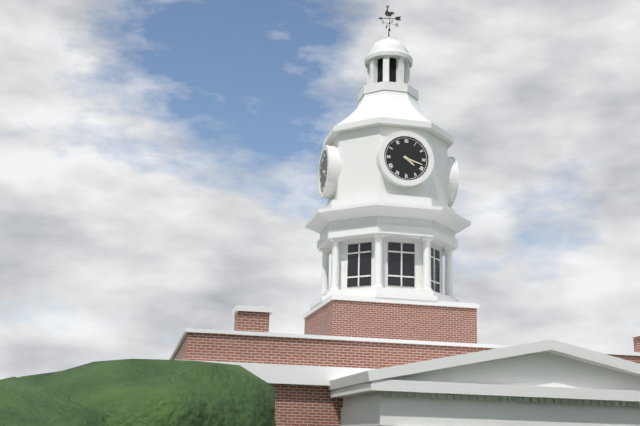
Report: 4:18
